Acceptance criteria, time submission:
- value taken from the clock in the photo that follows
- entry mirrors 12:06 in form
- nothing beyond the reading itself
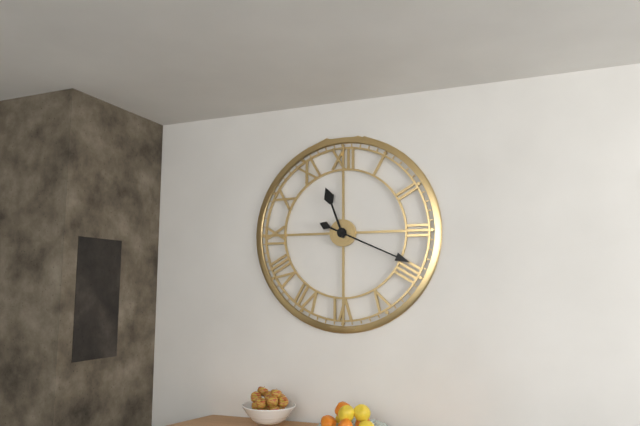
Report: 11:19
